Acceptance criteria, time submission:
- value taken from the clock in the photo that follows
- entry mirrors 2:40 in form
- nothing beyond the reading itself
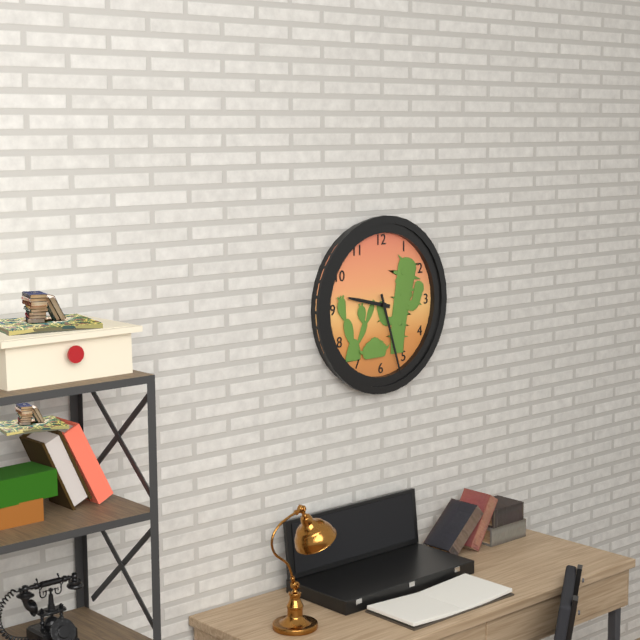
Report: 9:27
